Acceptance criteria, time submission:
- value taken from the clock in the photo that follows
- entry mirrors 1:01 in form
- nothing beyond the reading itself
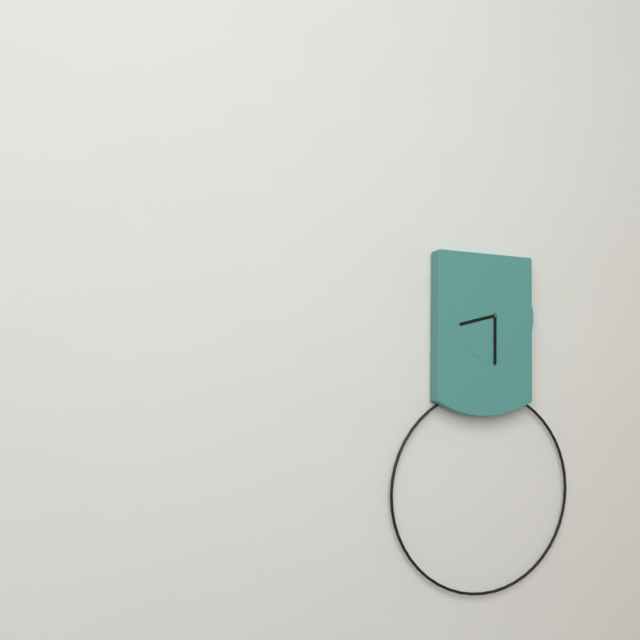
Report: 8:30
